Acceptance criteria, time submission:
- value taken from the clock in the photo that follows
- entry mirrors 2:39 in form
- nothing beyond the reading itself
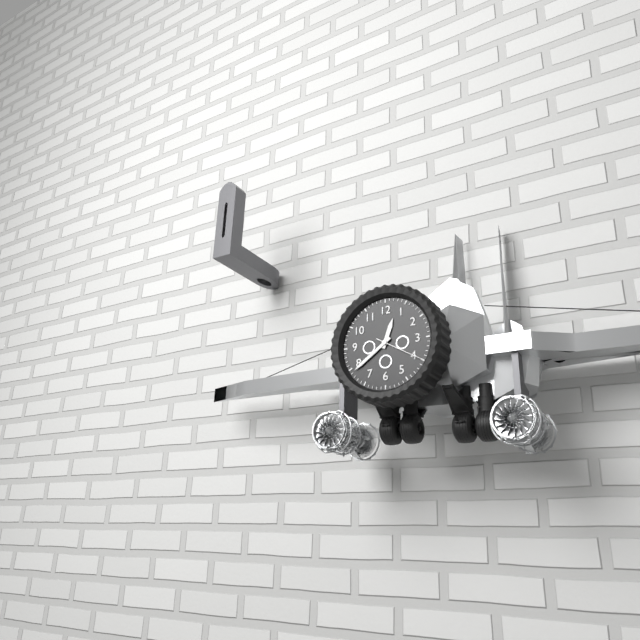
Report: 12:39
